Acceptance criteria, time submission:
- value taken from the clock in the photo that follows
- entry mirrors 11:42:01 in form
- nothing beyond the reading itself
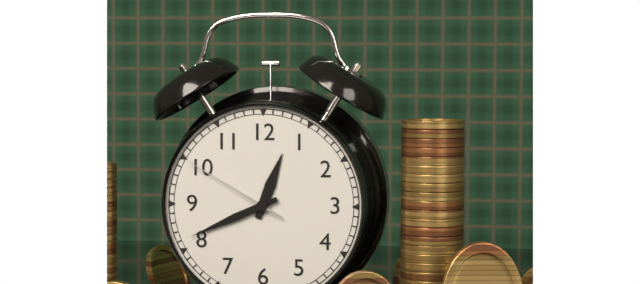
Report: 12:41:50
